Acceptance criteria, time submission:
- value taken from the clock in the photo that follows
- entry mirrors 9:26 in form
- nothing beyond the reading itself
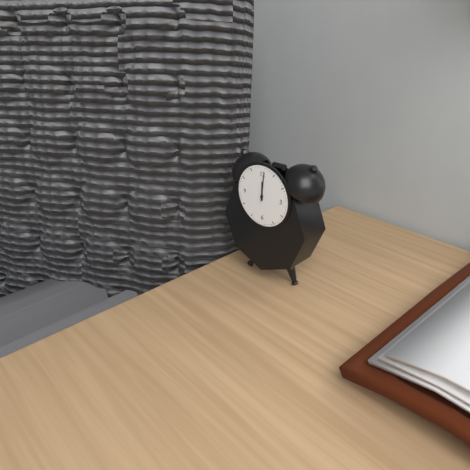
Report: 12:01
